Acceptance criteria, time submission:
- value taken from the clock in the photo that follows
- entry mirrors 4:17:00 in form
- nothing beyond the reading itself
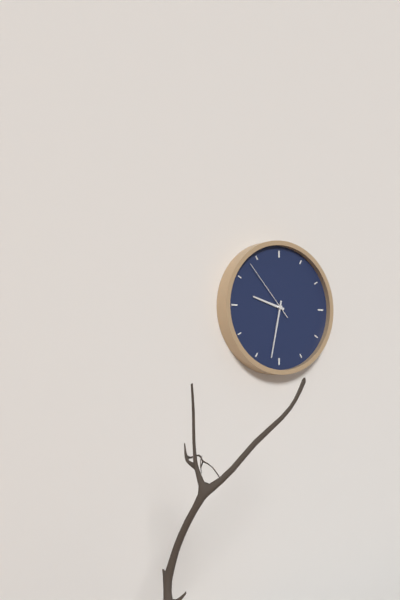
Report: 9:32:53
